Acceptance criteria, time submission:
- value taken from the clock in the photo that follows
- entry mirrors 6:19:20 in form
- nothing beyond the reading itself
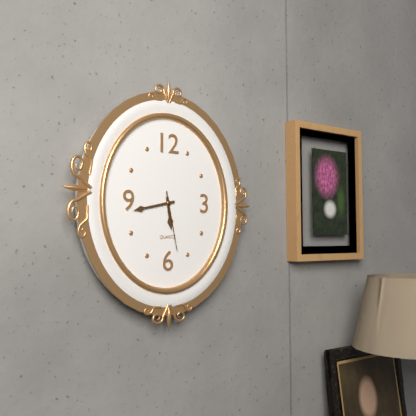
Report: 5:43:28
